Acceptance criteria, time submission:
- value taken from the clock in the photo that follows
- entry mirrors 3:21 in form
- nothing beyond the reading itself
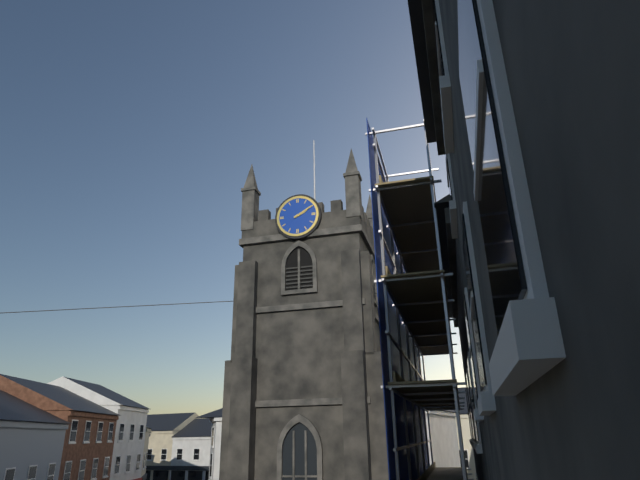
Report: 2:10
